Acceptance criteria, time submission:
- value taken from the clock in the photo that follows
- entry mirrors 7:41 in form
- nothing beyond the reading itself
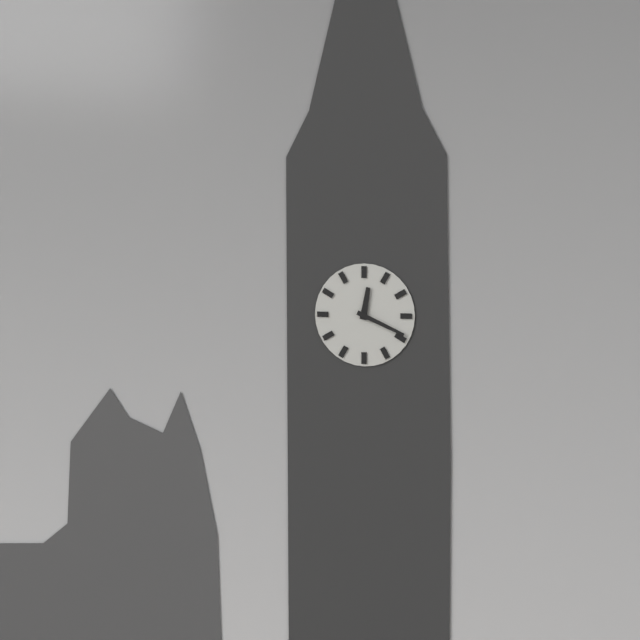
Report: 12:19
